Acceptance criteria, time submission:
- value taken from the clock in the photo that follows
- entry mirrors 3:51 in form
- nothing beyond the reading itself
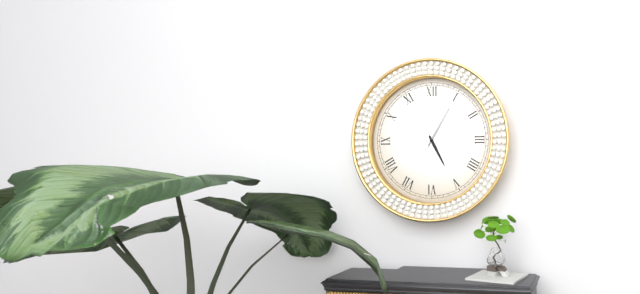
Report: 5:05
